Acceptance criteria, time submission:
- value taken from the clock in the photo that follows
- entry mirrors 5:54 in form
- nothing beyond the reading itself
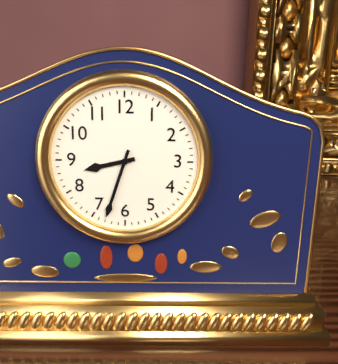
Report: 8:33
